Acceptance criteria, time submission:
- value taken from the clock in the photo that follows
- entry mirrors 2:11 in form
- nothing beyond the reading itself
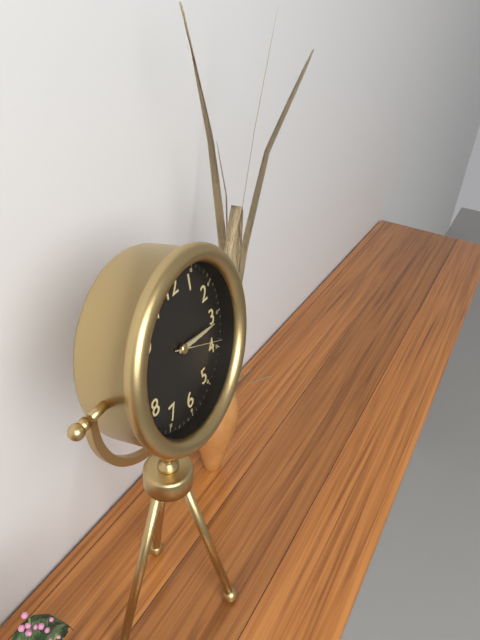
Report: 3:16
